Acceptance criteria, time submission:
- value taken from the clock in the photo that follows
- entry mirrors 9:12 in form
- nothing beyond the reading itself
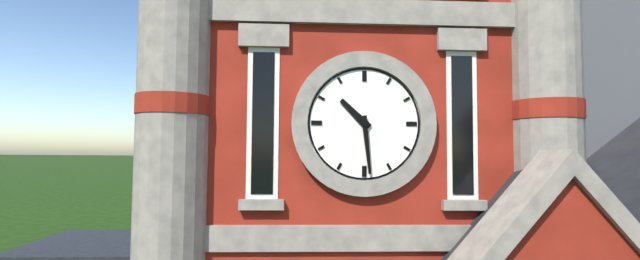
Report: 10:29
